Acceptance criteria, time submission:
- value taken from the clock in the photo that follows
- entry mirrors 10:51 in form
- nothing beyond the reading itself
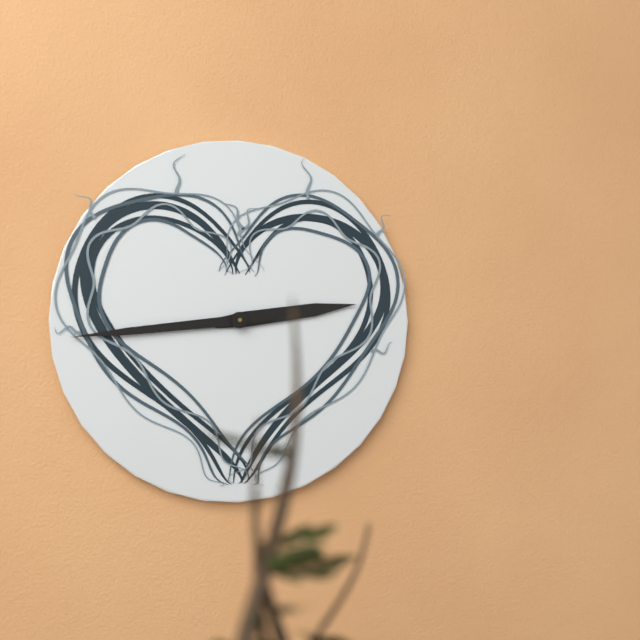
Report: 2:44
